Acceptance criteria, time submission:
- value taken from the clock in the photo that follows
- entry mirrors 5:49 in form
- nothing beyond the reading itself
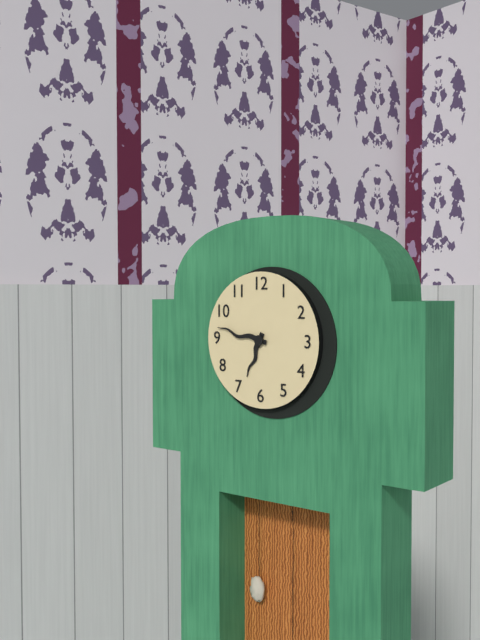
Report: 6:47
